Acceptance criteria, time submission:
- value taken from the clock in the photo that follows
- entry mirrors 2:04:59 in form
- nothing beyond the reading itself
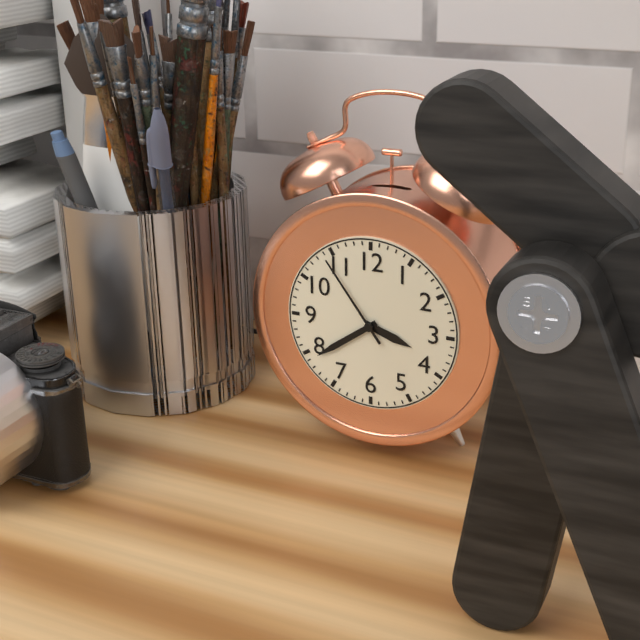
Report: 3:39:54
